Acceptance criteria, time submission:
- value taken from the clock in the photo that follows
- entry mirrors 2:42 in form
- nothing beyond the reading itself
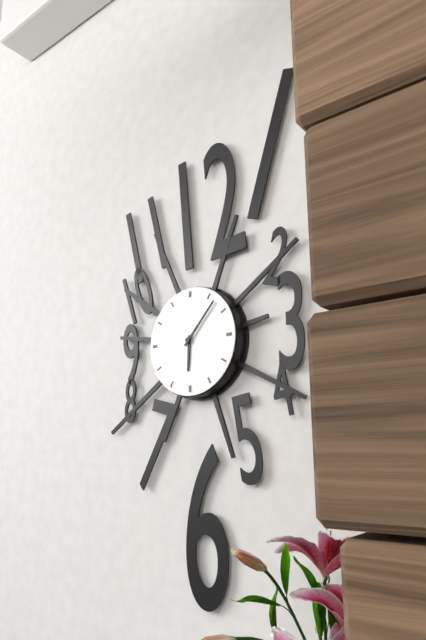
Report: 6:07
